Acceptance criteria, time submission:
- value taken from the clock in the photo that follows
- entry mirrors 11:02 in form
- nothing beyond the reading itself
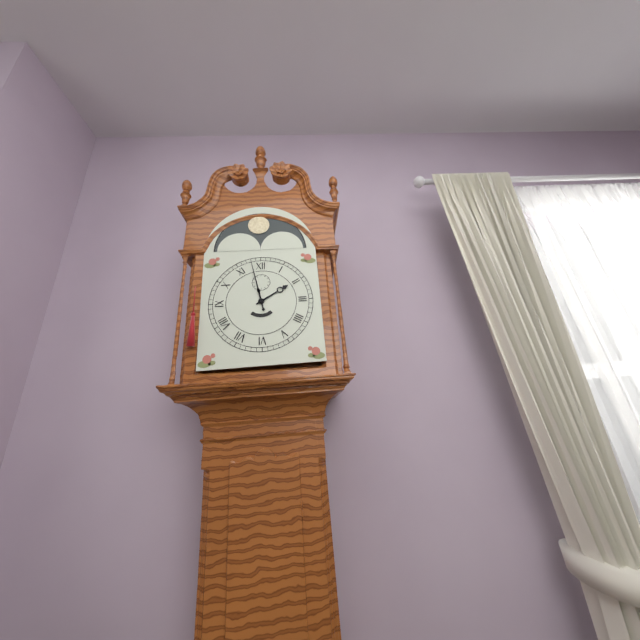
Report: 1:58
